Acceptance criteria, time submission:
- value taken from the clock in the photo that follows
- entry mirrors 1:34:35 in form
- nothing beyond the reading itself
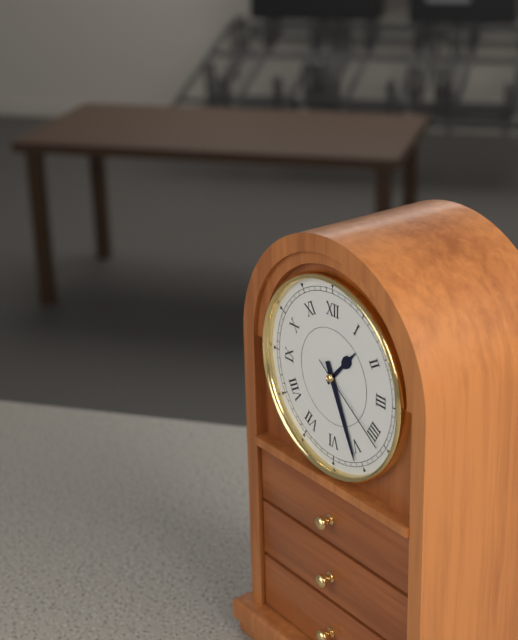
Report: 1:26:21
